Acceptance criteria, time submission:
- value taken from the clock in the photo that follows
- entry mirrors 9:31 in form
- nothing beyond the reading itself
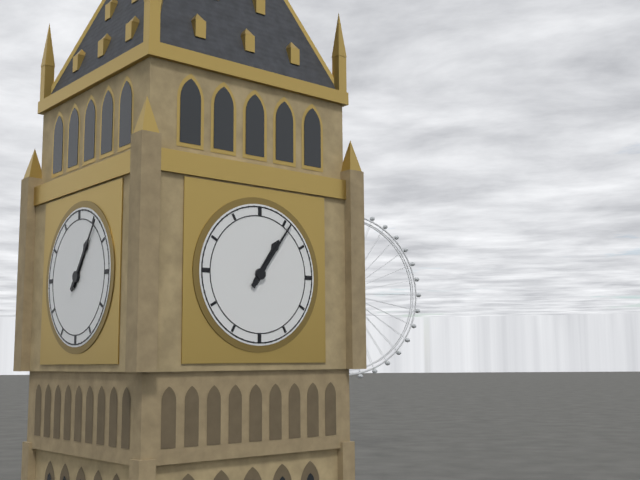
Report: 1:06
